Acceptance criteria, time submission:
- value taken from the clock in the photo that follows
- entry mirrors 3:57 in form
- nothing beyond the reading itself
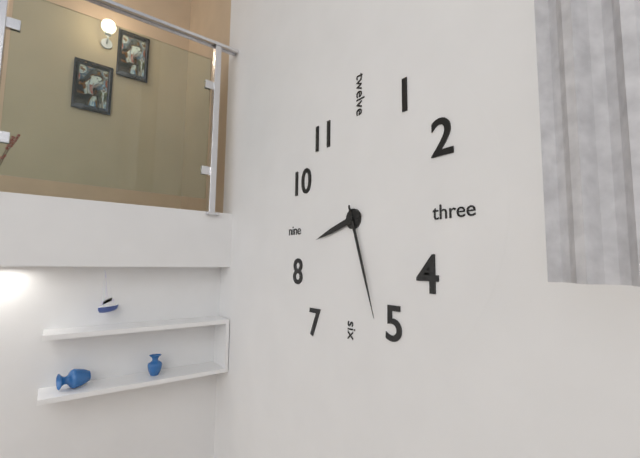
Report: 8:27
